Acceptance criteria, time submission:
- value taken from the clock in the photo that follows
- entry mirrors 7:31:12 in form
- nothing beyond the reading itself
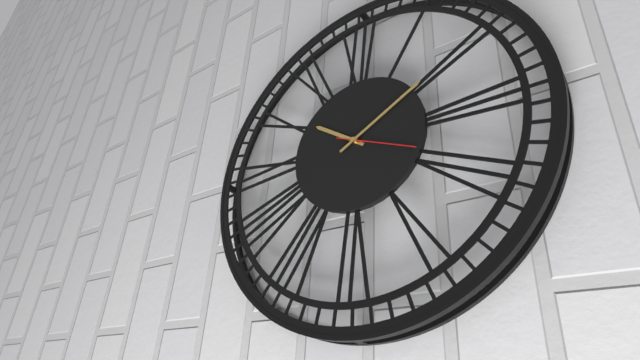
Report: 10:10:19
